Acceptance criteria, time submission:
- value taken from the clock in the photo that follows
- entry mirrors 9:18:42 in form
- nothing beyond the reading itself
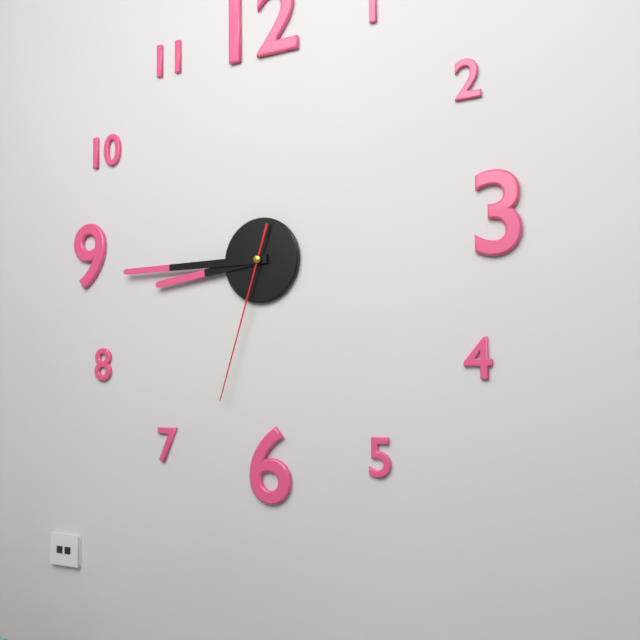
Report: 8:45:33
